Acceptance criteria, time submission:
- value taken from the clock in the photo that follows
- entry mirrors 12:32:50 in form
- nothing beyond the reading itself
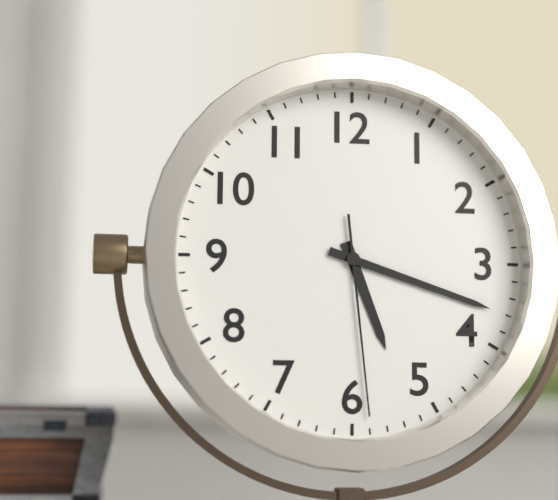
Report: 5:18:29
